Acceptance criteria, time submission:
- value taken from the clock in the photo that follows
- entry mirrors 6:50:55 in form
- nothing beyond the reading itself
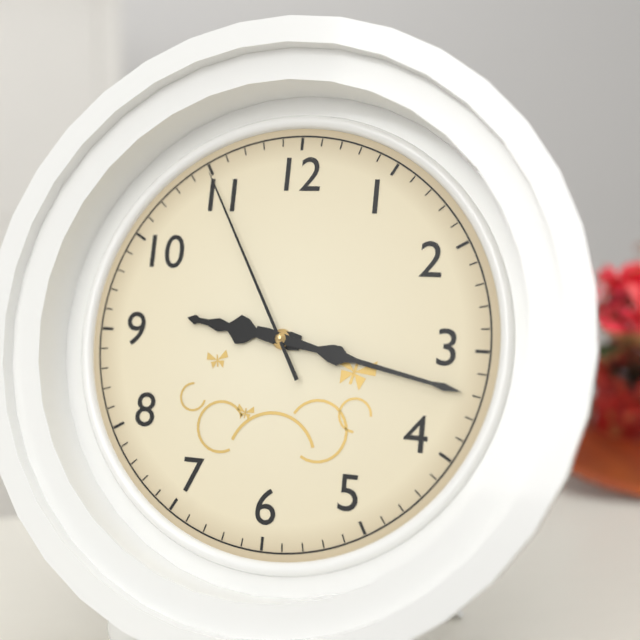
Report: 9:17:55
